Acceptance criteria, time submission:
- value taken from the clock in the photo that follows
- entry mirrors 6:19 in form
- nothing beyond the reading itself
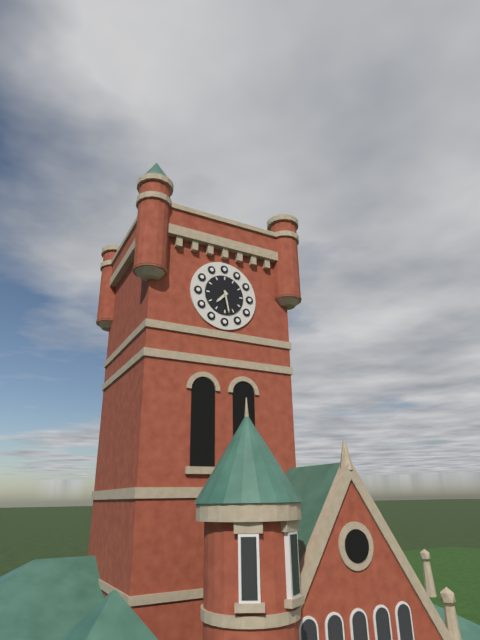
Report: 7:28
